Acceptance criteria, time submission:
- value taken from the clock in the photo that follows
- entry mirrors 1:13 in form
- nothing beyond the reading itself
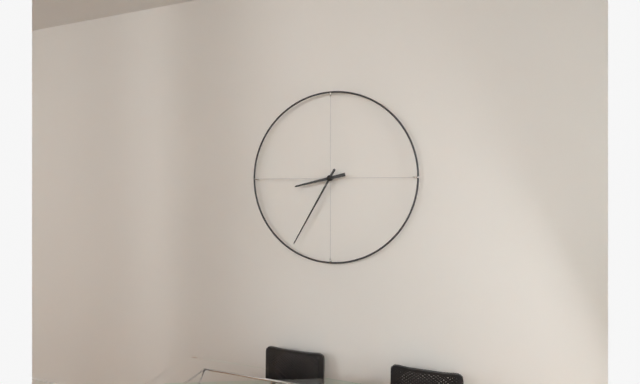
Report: 8:35
